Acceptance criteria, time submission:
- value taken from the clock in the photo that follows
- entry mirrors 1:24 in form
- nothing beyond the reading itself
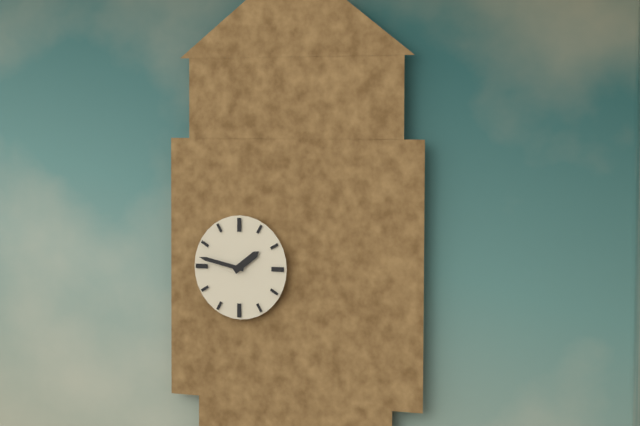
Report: 1:47
